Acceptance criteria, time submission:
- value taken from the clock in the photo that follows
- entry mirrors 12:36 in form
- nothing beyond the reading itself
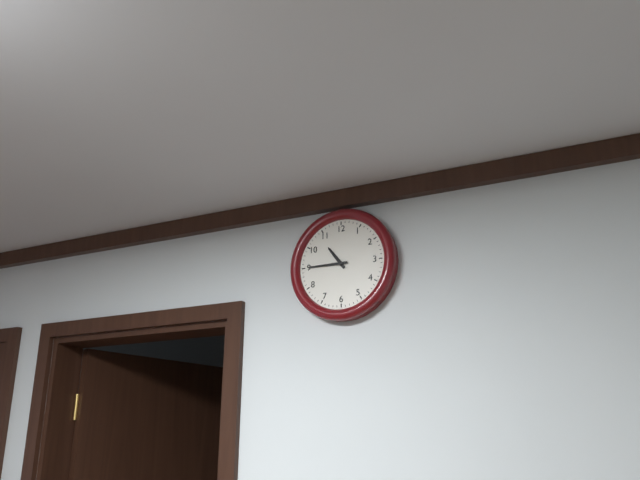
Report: 10:45
